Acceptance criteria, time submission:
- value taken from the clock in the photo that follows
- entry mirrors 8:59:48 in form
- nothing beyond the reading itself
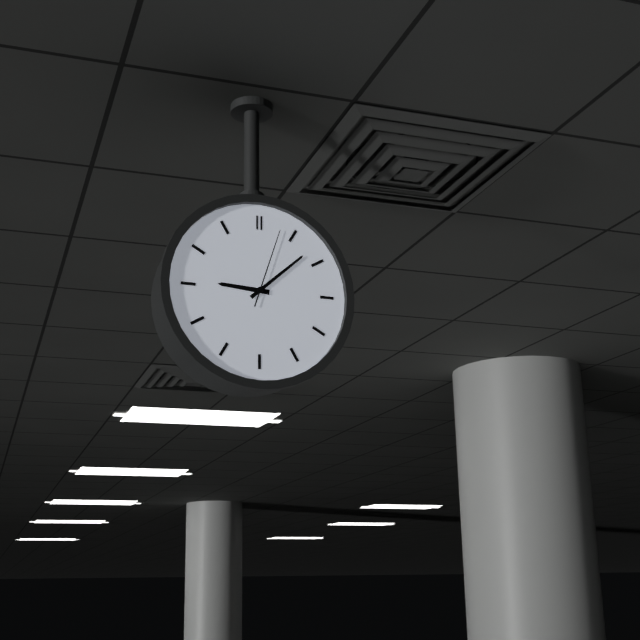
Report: 9:08:03
